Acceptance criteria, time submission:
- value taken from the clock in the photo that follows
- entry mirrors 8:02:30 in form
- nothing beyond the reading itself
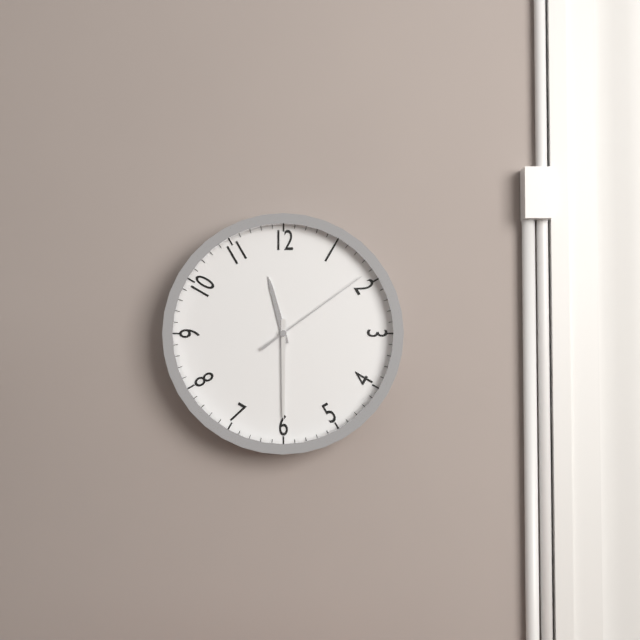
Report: 11:30:09
